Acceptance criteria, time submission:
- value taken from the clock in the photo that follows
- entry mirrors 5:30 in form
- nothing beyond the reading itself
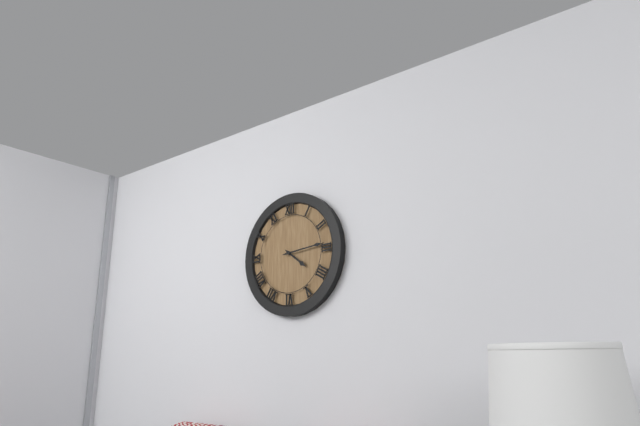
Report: 4:14
